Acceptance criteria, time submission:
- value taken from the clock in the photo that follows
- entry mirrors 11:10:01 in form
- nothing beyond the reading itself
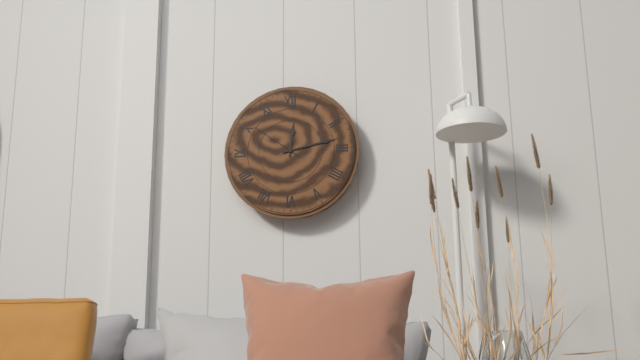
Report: 12:13:51
